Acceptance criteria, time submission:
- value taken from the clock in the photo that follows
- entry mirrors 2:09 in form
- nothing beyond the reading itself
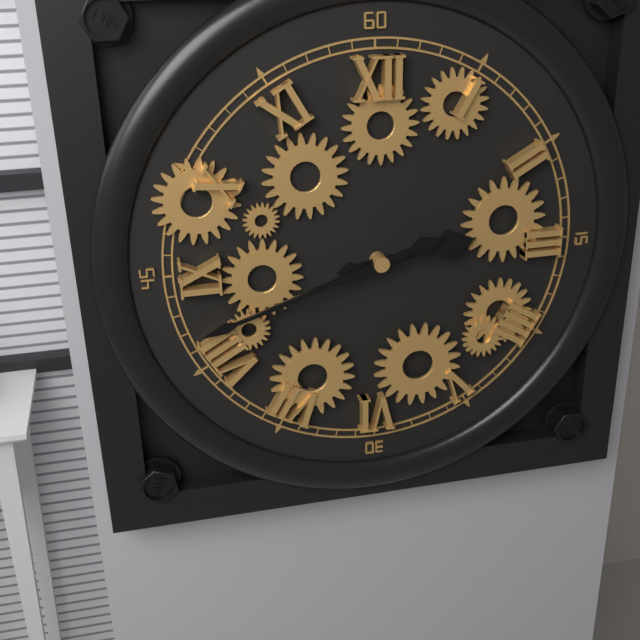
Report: 2:42
